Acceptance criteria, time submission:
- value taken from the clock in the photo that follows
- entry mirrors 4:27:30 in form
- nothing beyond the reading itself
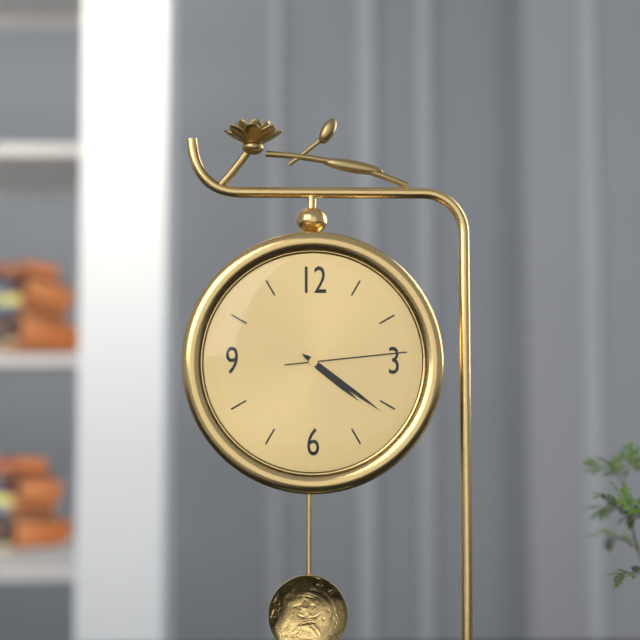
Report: 4:21:14
